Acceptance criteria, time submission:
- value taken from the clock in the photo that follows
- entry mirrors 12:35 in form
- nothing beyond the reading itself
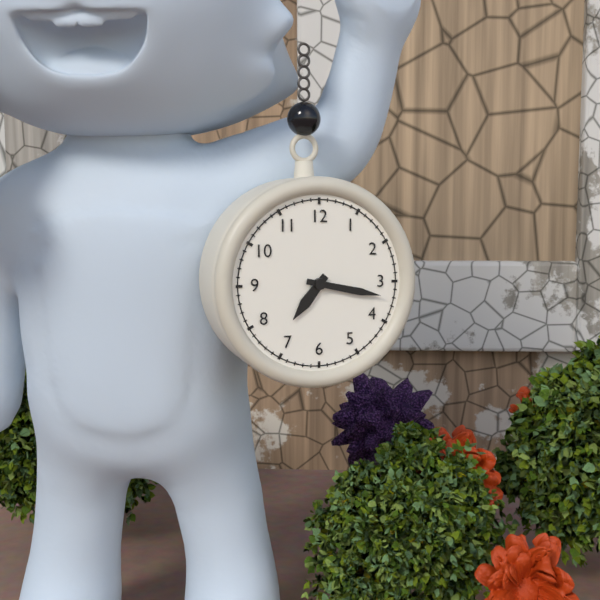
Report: 7:17
